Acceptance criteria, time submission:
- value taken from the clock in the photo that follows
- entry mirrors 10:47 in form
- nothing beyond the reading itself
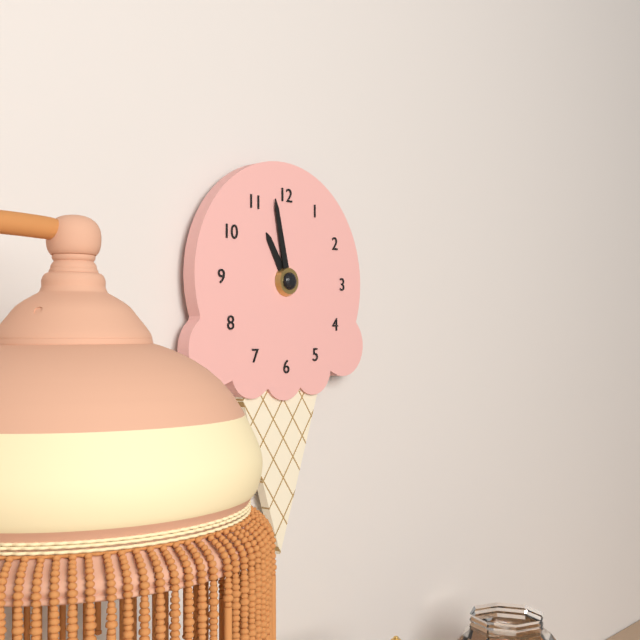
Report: 10:58
